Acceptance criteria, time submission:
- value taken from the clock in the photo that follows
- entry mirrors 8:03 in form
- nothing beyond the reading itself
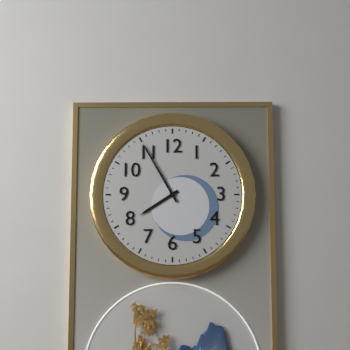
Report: 7:55
